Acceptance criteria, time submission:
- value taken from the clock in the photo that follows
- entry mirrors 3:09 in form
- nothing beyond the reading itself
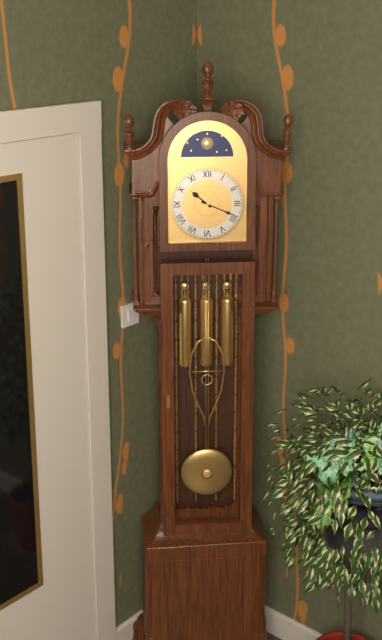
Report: 10:19
